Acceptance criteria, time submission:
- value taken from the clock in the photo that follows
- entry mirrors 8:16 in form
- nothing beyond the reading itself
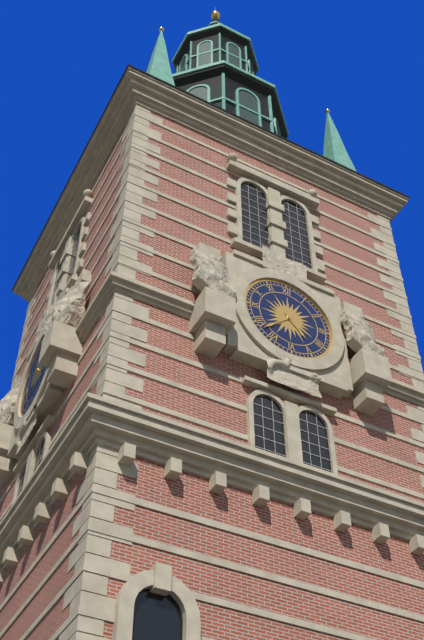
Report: 4:38
